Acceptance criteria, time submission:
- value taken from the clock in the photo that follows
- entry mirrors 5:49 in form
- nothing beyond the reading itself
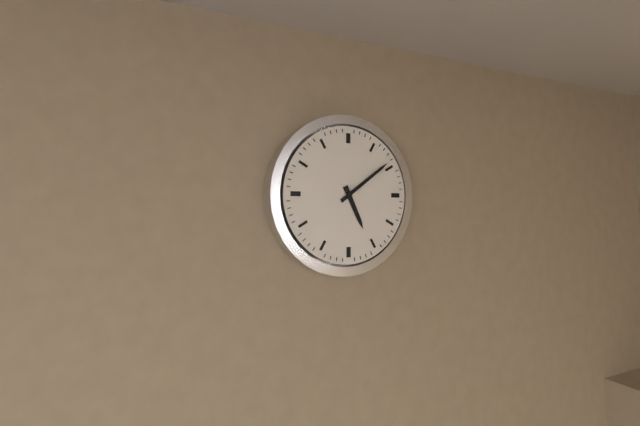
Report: 5:09
